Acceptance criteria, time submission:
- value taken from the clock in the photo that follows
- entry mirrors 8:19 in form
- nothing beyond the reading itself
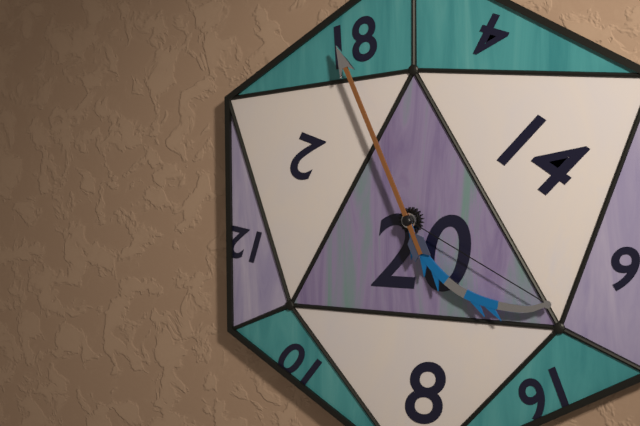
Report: 3:56
